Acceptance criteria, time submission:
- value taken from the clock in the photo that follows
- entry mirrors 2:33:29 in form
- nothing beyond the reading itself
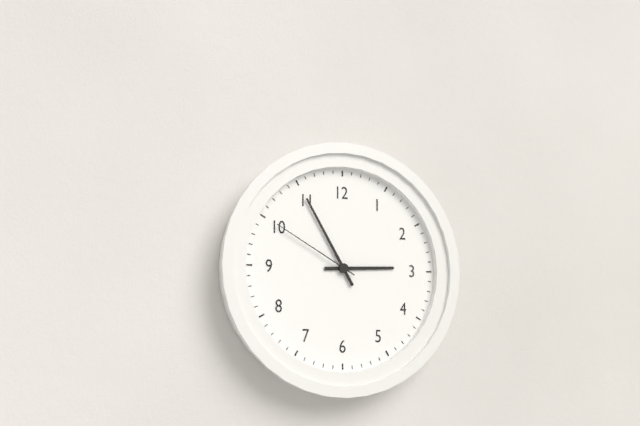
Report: 2:55:50
